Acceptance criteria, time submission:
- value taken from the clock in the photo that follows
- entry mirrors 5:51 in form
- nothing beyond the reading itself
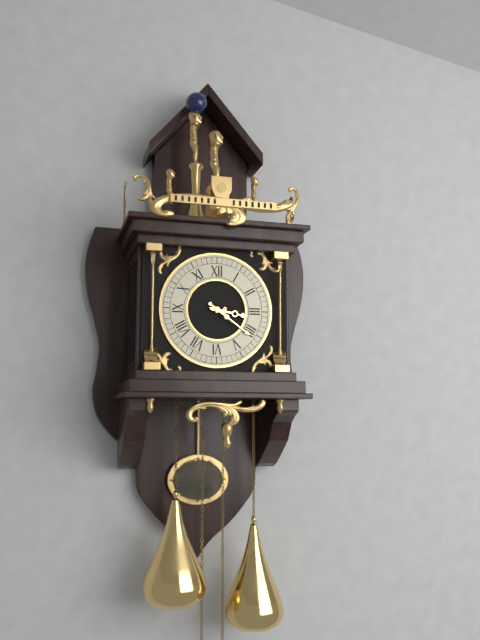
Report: 3:21
